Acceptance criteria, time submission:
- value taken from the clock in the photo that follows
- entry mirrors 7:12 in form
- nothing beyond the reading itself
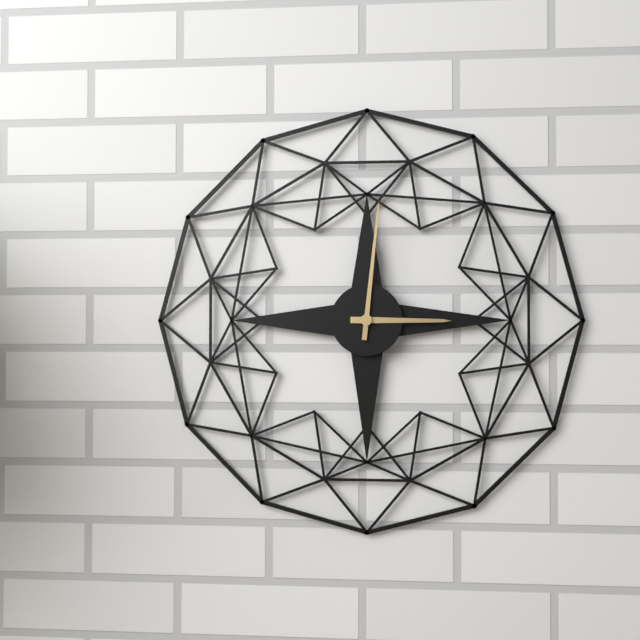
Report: 3:01
